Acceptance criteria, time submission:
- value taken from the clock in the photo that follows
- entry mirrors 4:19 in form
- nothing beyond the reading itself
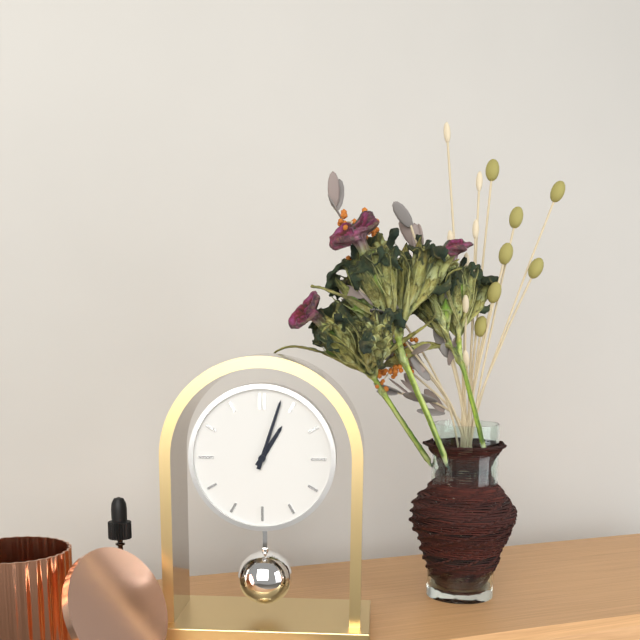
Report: 1:03
